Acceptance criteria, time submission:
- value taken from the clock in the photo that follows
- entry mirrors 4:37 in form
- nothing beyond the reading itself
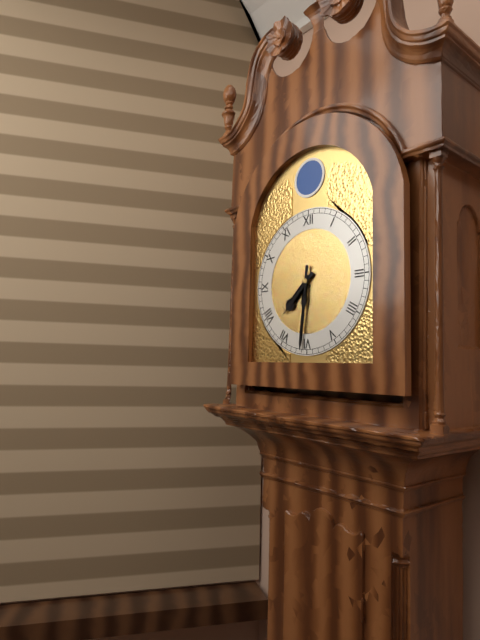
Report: 7:31
